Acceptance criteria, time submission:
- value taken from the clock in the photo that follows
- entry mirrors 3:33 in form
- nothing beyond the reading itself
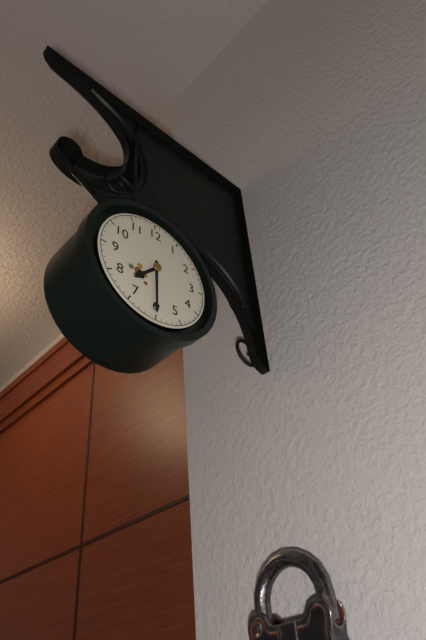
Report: 7:30
